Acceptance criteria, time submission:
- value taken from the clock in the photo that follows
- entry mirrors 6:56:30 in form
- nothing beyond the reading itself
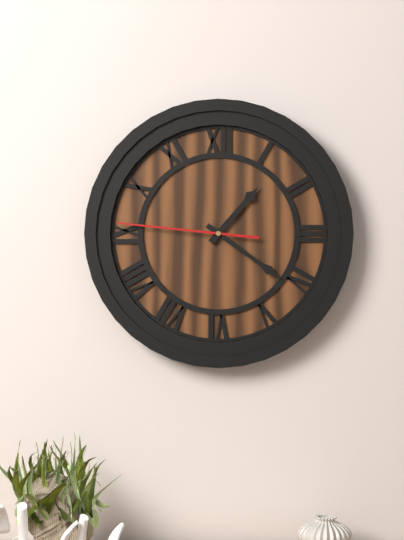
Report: 1:21:46
